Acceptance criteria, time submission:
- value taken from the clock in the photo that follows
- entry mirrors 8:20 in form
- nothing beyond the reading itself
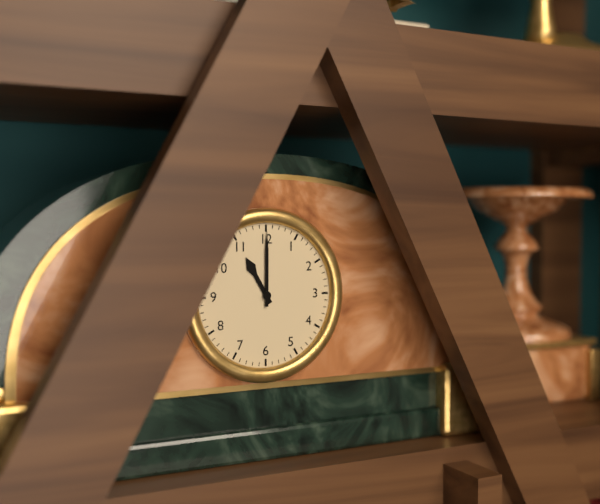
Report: 11:00
